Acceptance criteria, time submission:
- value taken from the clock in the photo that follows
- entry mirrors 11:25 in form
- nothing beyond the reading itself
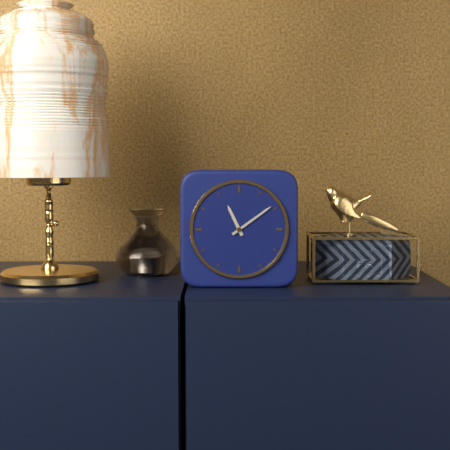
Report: 11:09
